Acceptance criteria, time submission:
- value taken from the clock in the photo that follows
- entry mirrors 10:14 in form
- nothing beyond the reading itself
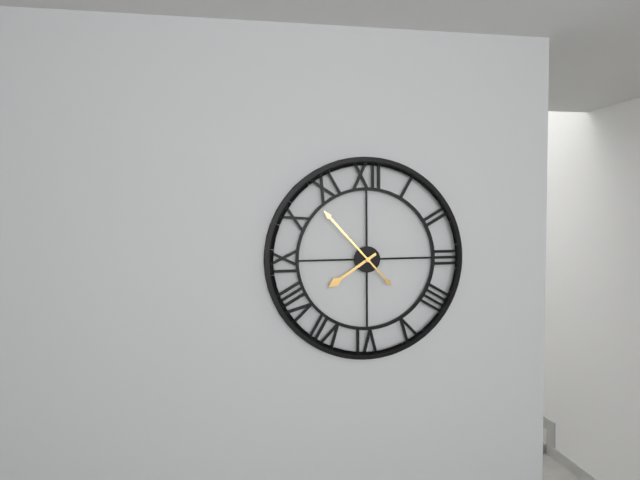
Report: 7:53
